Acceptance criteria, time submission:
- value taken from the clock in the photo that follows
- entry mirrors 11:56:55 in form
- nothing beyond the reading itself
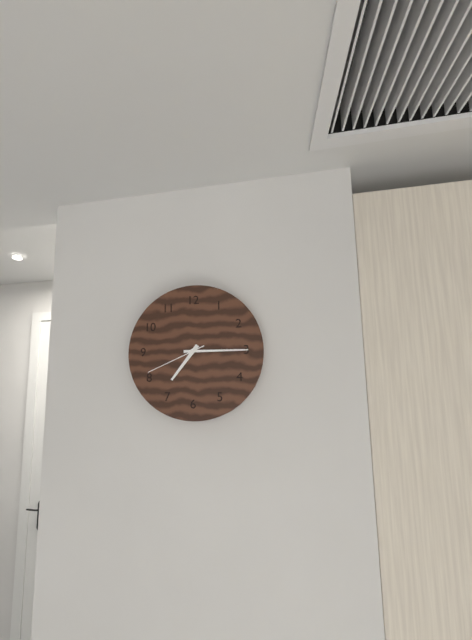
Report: 7:15:41
